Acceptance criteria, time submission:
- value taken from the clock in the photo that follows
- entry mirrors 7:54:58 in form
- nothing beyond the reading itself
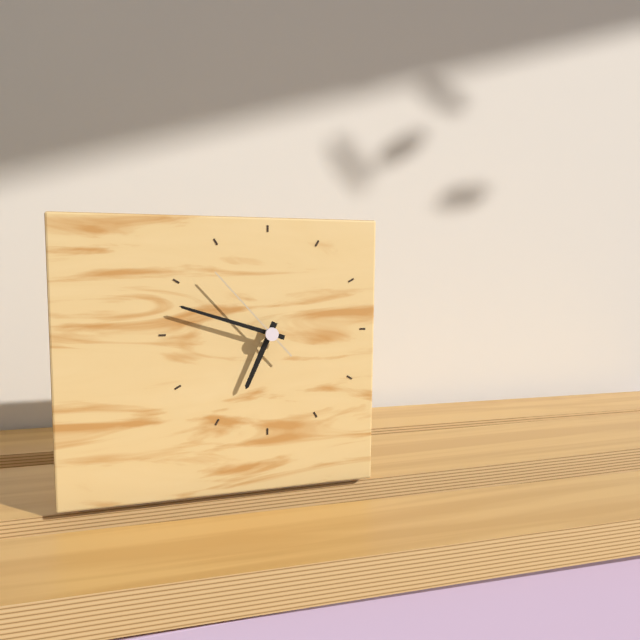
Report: 6:48:53
